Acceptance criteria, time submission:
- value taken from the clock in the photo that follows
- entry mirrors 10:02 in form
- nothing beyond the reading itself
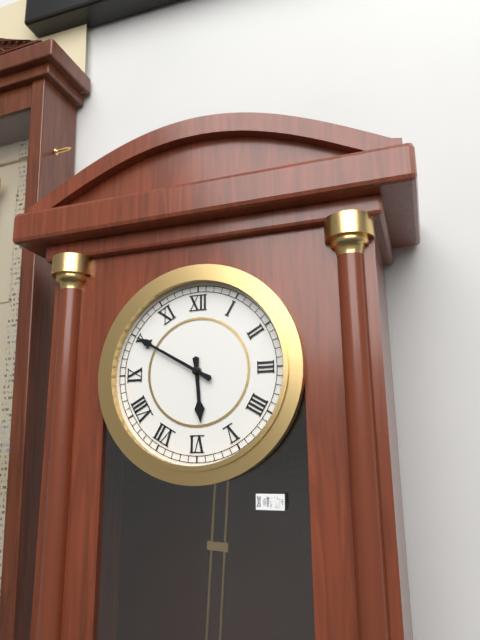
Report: 5:50
